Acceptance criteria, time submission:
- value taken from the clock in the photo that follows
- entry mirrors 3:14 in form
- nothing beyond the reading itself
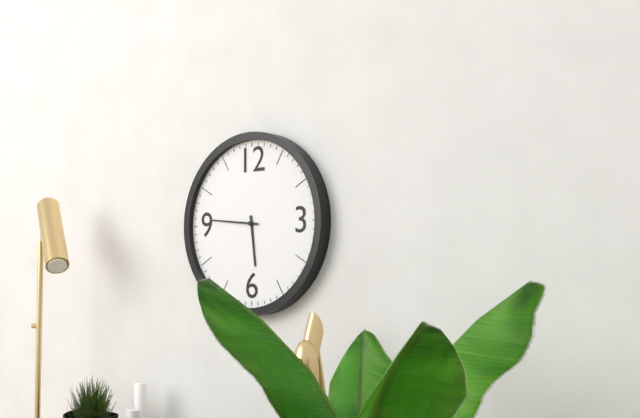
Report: 5:46
